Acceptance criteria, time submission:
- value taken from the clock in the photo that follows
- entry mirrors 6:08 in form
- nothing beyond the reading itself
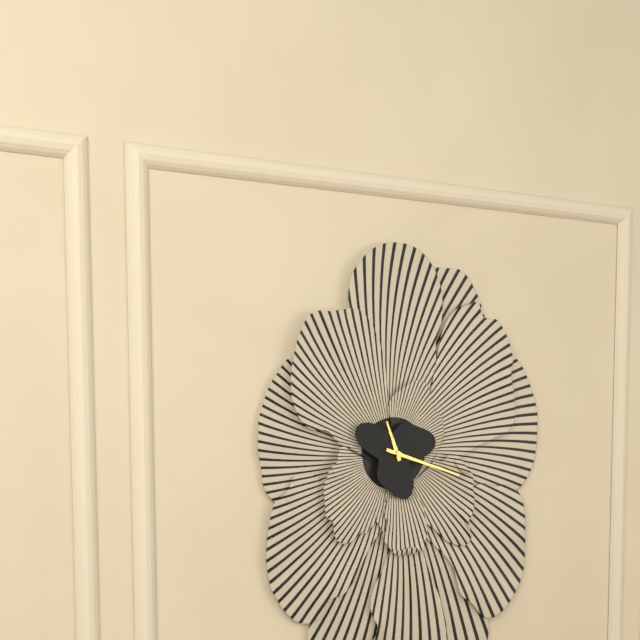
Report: 11:18
